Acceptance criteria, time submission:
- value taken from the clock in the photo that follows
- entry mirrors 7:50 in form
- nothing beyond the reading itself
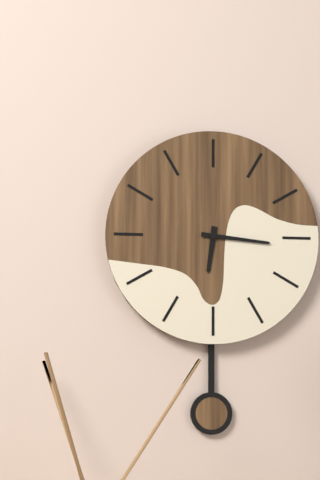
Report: 6:16
